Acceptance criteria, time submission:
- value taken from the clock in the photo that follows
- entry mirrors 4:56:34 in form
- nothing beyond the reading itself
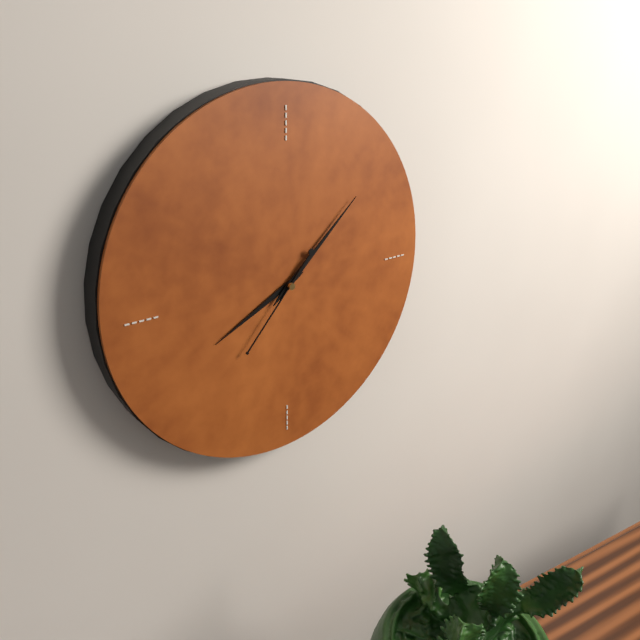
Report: 8:08:37
